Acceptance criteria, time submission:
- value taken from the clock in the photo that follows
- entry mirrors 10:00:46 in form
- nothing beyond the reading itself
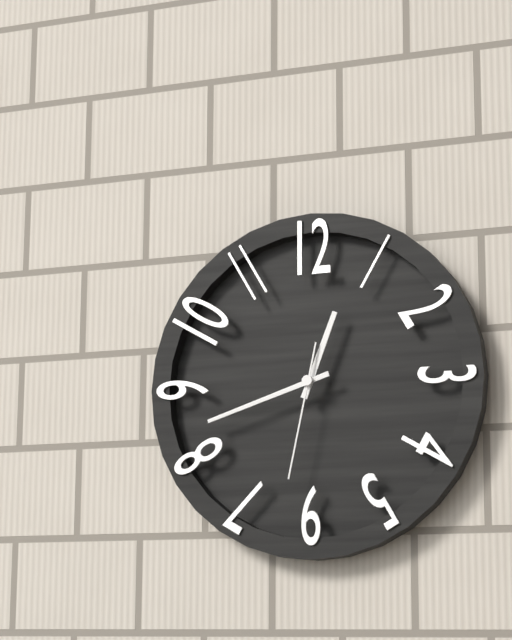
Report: 12:42:32
